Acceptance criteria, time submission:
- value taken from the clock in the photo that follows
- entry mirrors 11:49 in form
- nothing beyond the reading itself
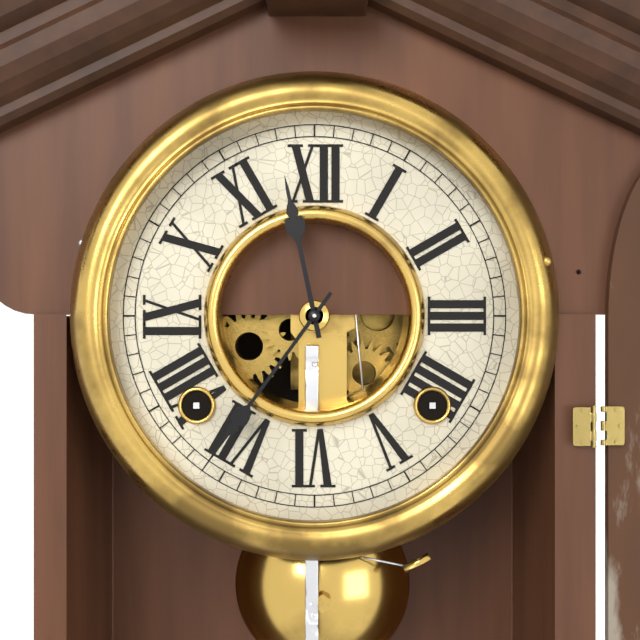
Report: 11:36
